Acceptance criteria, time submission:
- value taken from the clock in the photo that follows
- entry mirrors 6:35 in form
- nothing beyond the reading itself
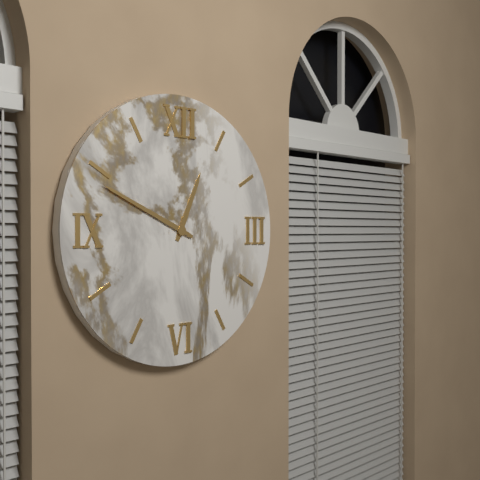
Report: 12:49
